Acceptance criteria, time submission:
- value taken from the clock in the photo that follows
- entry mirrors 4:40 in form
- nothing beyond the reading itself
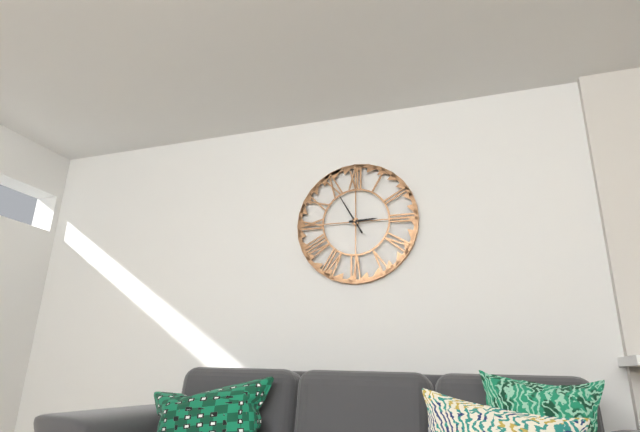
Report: 2:55
